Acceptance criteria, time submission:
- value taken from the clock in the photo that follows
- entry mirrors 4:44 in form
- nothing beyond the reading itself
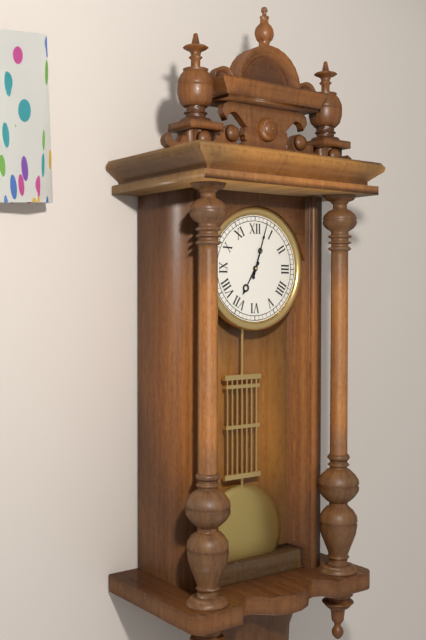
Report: 7:03
